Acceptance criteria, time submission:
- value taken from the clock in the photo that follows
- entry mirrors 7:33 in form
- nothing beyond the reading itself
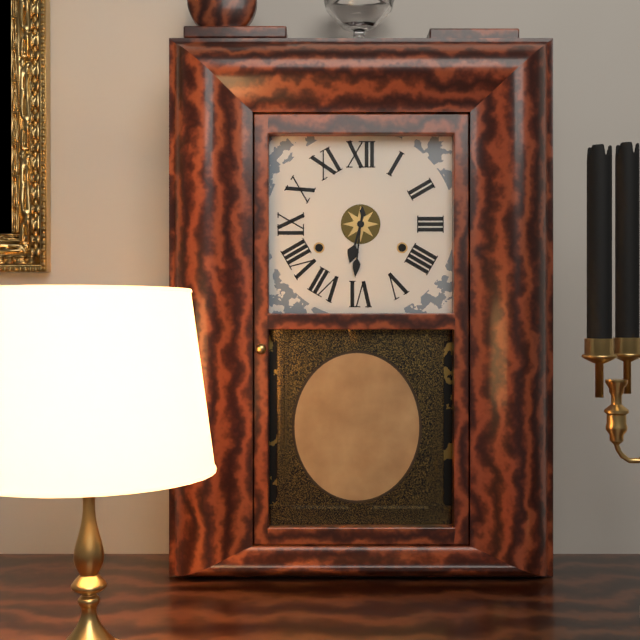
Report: 6:31
